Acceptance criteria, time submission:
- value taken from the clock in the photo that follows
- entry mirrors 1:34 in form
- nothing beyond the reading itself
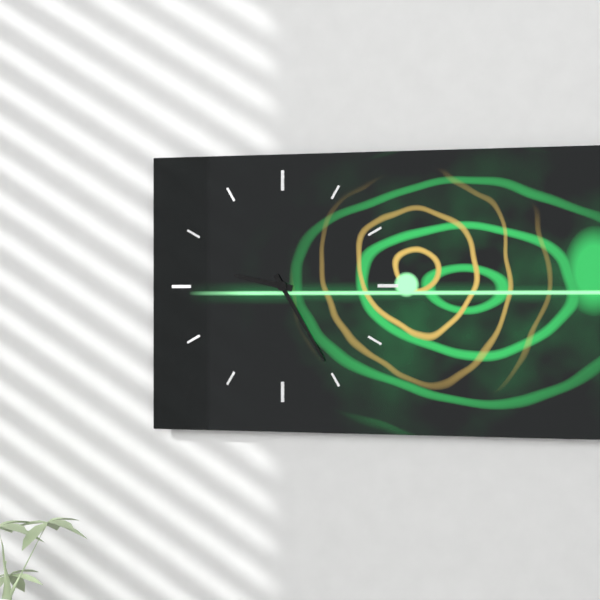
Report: 9:25
